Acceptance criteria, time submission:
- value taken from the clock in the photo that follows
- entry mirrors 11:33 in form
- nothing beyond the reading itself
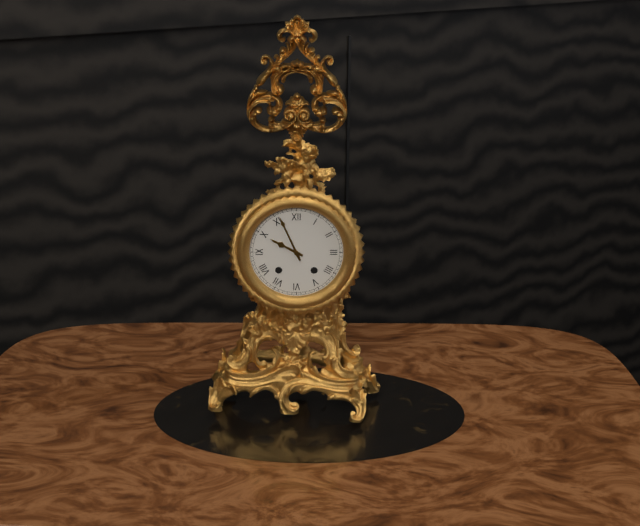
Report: 9:56
